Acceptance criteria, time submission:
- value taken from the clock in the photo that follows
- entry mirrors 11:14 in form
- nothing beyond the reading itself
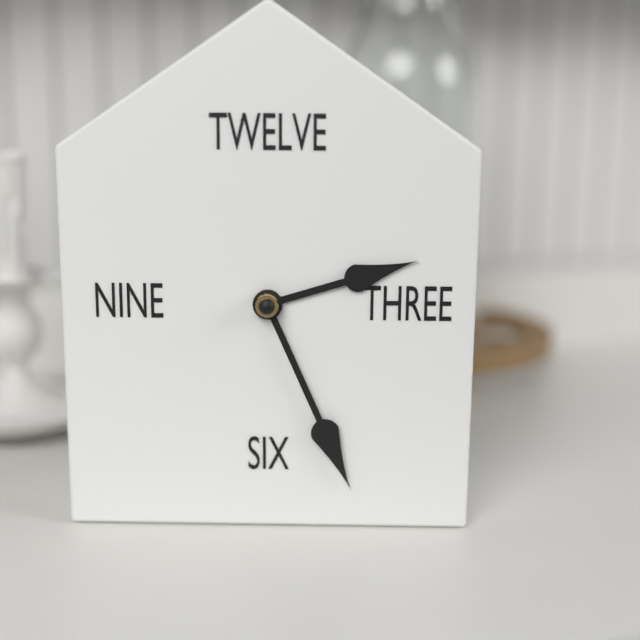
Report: 2:26
